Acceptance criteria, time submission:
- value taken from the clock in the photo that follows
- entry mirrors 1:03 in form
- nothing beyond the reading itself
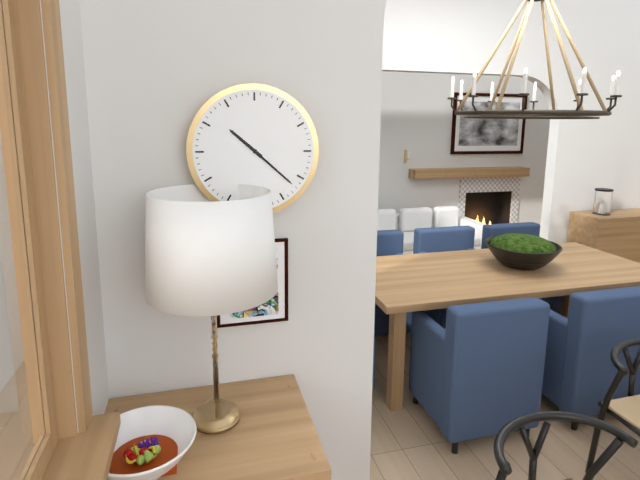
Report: 10:22
